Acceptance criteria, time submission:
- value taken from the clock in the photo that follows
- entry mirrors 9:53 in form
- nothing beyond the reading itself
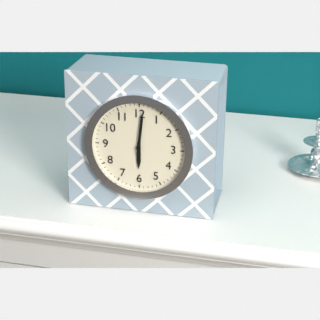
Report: 6:01
